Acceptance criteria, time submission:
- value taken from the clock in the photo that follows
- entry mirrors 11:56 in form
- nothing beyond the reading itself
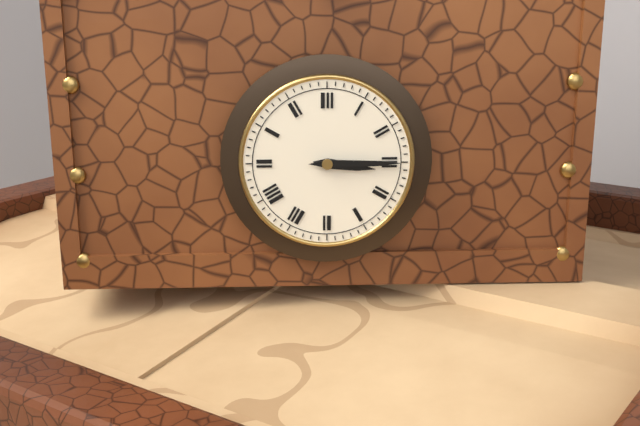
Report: 3:15
